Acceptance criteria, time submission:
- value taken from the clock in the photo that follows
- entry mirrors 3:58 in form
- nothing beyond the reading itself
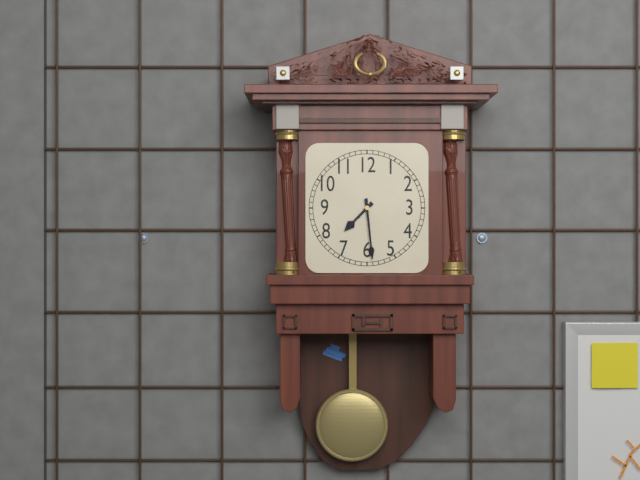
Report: 7:29
